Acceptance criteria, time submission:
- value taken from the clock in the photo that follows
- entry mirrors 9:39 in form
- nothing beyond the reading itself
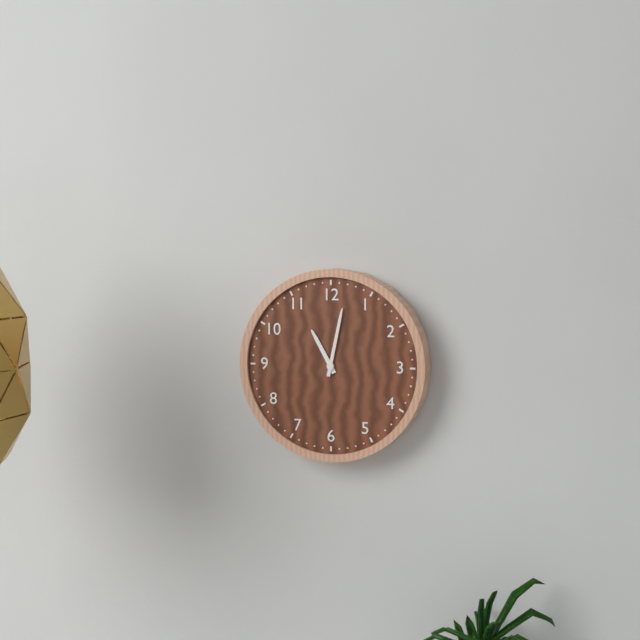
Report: 11:02
